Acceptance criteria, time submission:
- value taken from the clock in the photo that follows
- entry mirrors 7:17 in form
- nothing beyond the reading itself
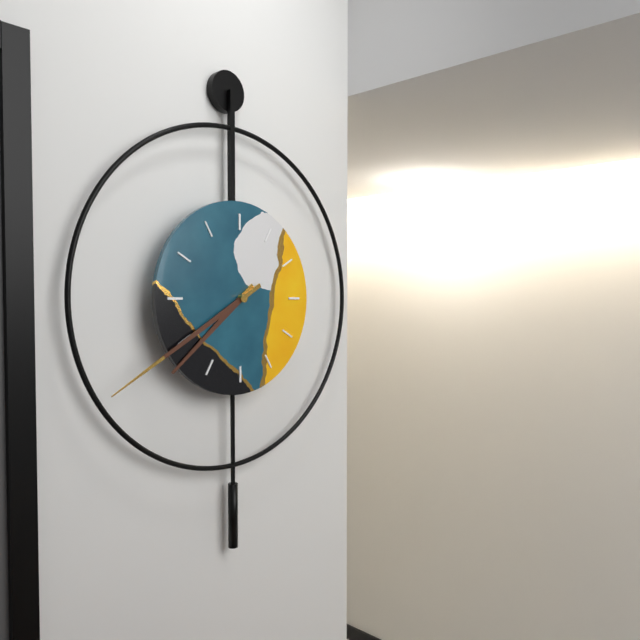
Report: 7:40
